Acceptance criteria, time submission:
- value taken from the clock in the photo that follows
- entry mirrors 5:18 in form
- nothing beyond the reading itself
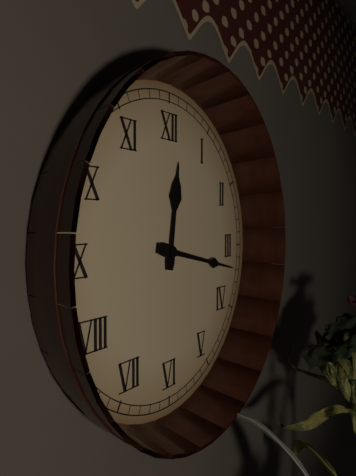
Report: 12:17
